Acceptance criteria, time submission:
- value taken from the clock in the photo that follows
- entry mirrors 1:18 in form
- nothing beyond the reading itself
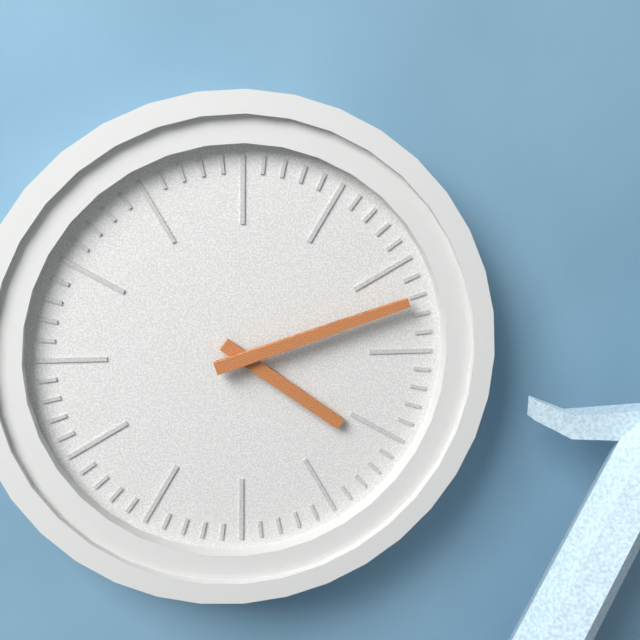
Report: 4:12
